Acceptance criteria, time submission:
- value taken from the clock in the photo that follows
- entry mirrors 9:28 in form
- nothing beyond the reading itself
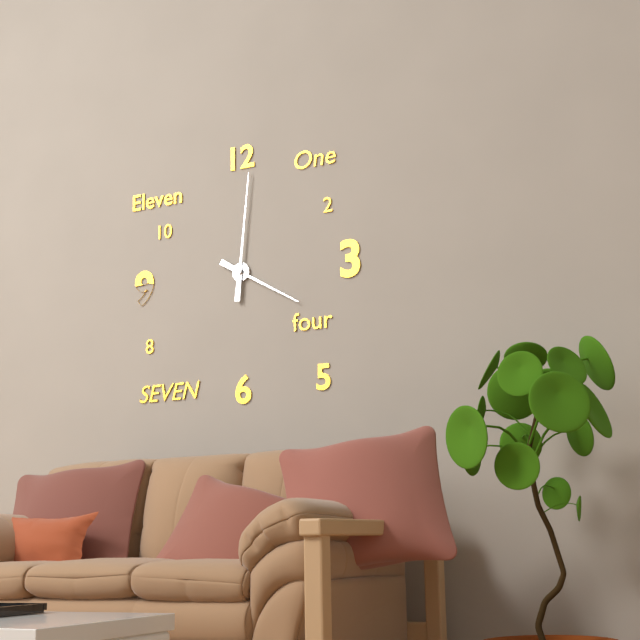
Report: 4:01
